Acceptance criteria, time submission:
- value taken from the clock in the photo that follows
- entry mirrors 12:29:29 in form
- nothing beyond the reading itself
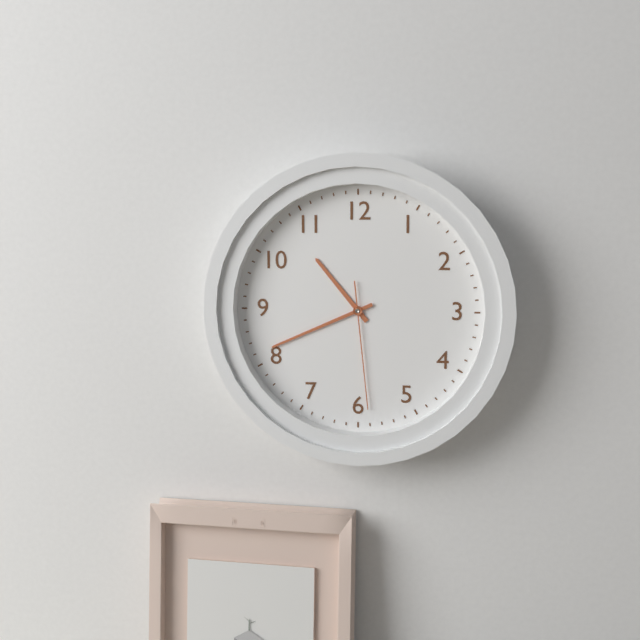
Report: 10:41:29
